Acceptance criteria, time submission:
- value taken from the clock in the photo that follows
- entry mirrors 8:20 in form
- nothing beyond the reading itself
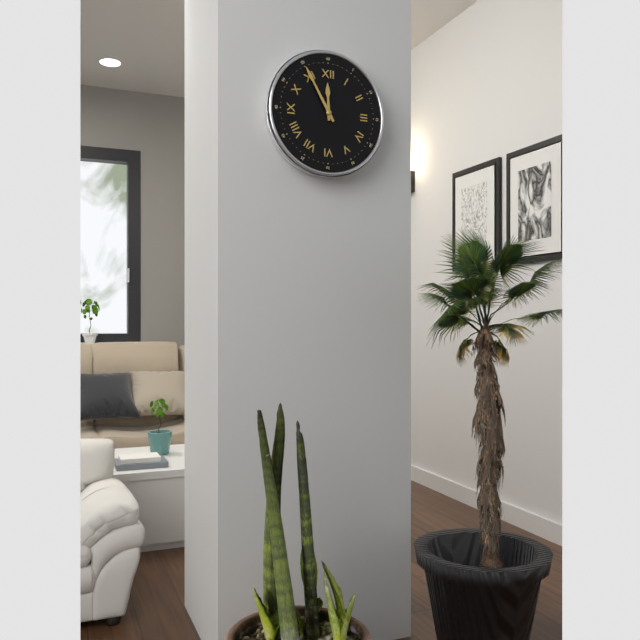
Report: 11:55
